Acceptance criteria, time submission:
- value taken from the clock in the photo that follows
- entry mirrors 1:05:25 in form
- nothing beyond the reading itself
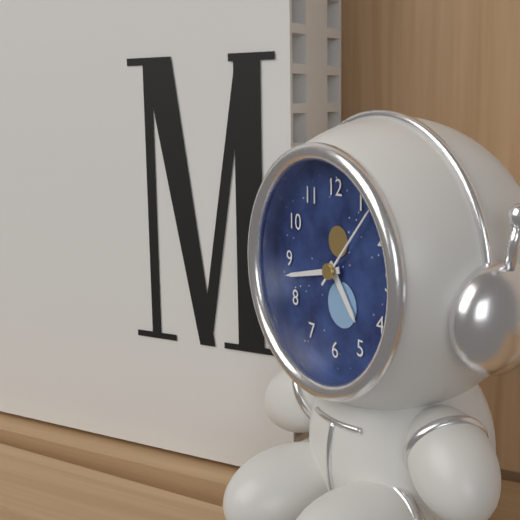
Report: 4:43:07
